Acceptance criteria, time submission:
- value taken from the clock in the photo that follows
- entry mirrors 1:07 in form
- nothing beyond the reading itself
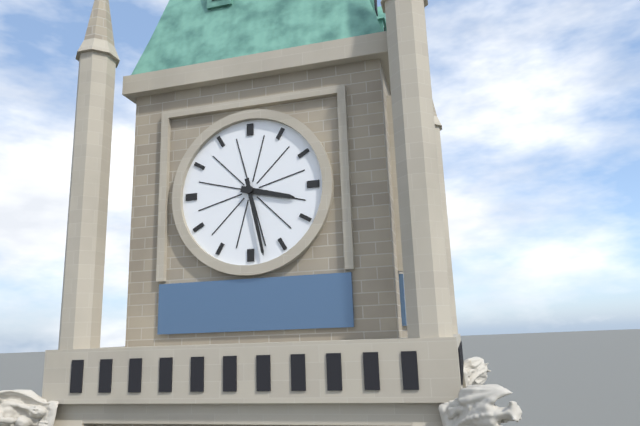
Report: 3:28
